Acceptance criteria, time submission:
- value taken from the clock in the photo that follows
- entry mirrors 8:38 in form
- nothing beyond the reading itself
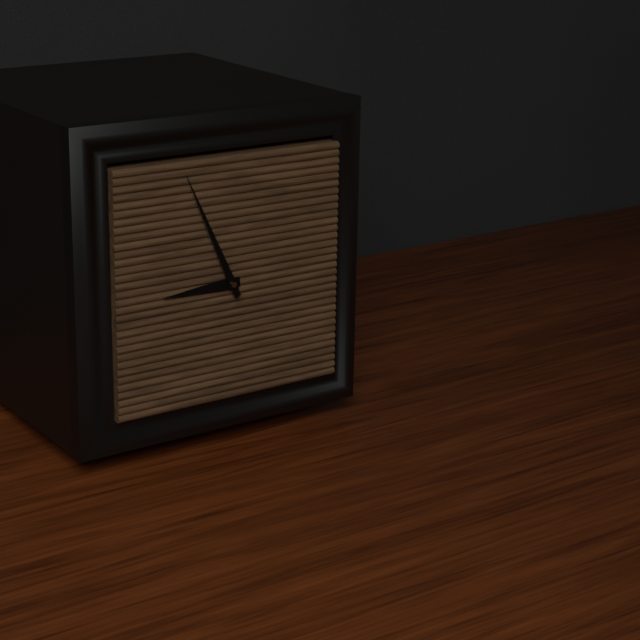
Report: 8:56
